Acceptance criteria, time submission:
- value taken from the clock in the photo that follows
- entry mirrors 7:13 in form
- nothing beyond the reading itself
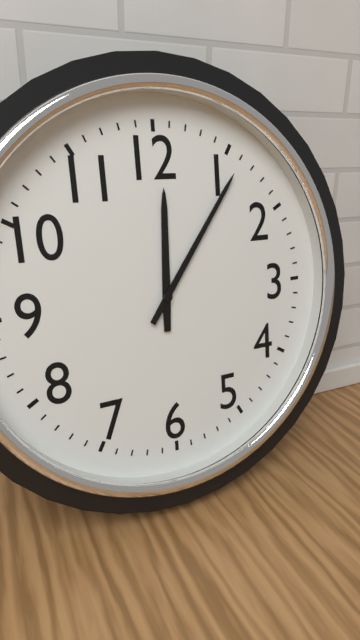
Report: 12:06
